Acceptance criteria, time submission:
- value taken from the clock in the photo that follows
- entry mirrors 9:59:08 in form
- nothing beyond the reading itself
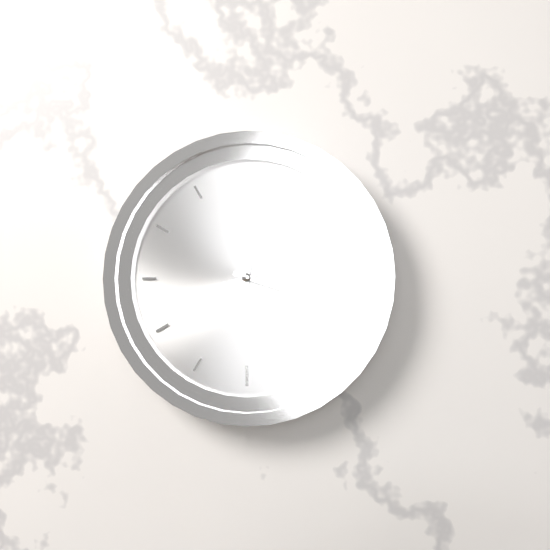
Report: 12:18:13
